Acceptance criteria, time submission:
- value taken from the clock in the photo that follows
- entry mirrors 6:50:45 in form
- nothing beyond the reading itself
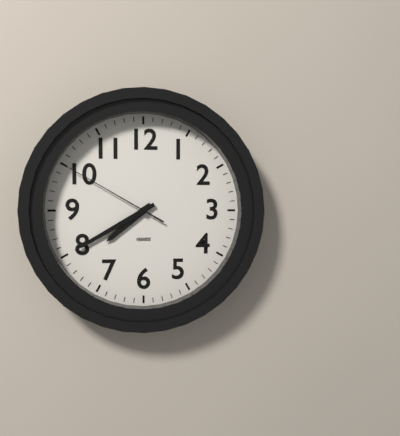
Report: 7:40:50
